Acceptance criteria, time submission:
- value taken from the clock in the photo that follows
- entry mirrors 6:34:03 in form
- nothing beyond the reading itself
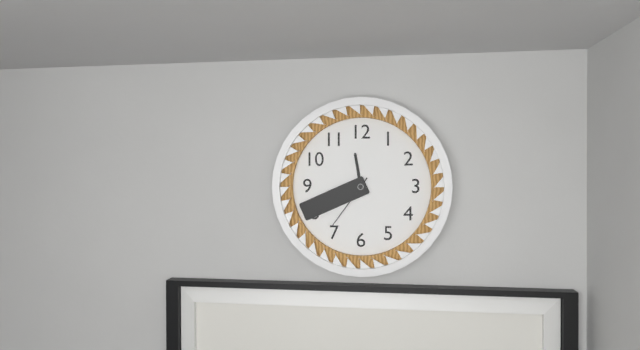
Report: 11:41:36
